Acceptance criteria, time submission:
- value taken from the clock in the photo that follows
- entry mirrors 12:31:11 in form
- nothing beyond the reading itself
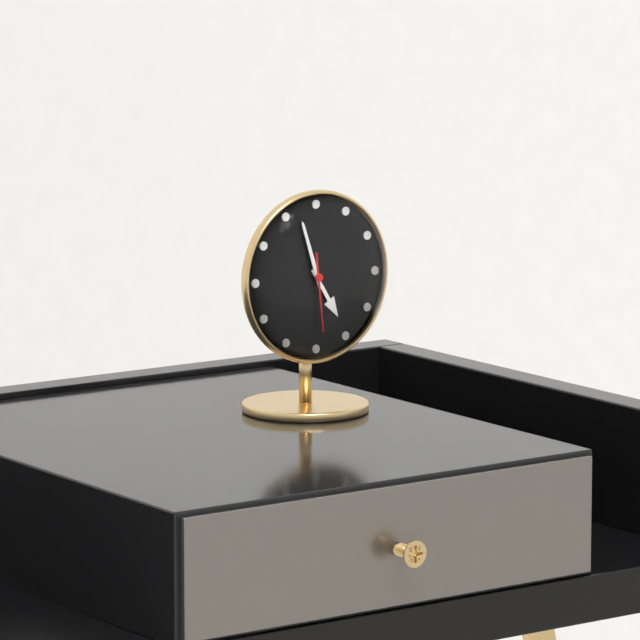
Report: 4:57:29
